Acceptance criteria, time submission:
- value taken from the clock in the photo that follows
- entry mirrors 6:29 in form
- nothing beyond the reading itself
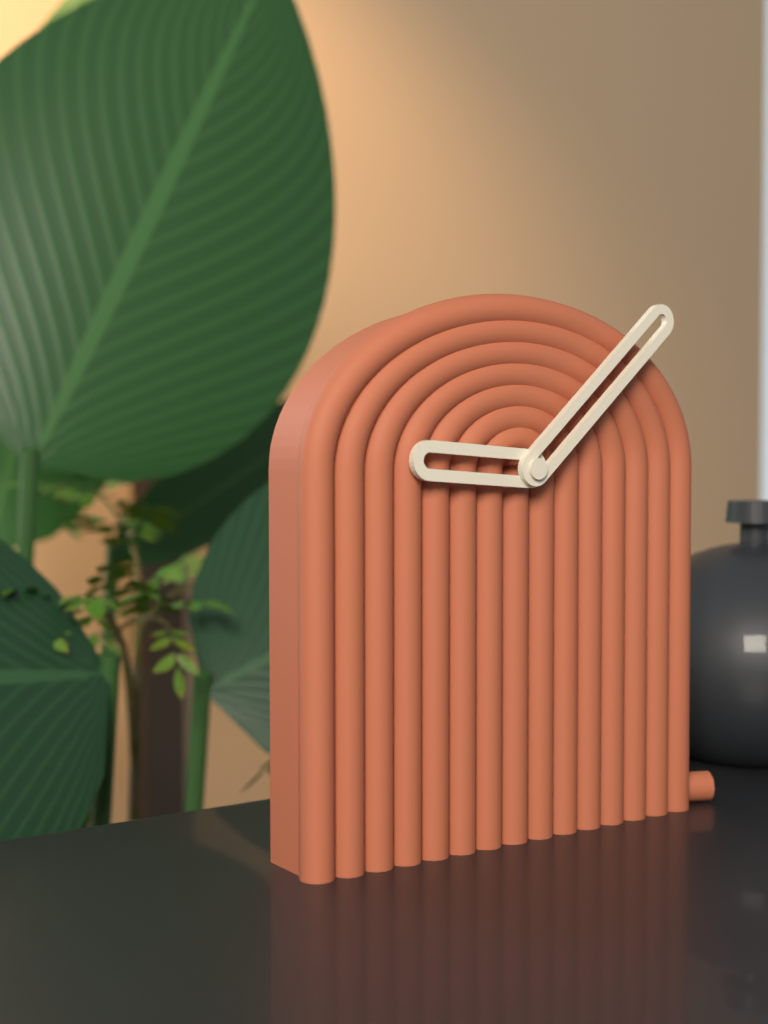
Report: 9:08
